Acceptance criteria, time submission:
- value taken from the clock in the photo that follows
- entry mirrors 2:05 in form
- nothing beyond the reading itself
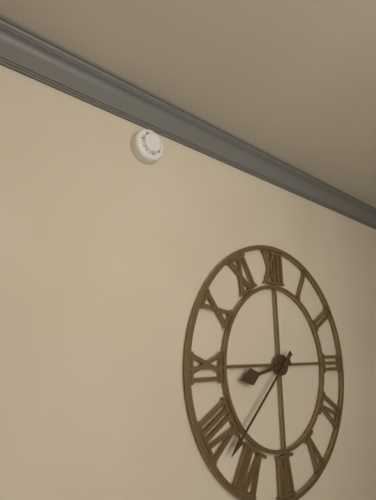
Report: 8:38
